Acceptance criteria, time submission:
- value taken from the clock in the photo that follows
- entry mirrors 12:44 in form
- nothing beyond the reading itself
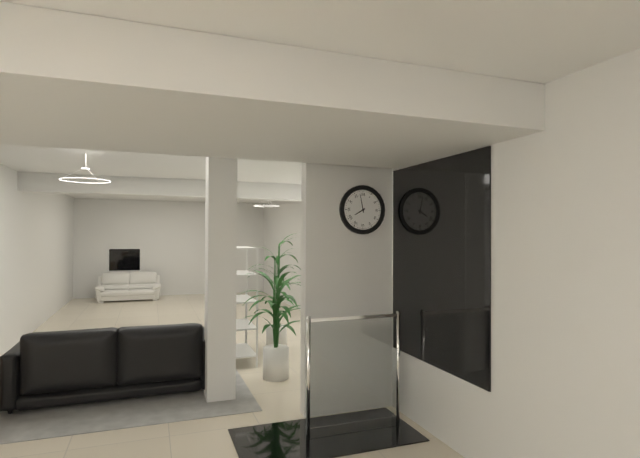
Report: 7:58
